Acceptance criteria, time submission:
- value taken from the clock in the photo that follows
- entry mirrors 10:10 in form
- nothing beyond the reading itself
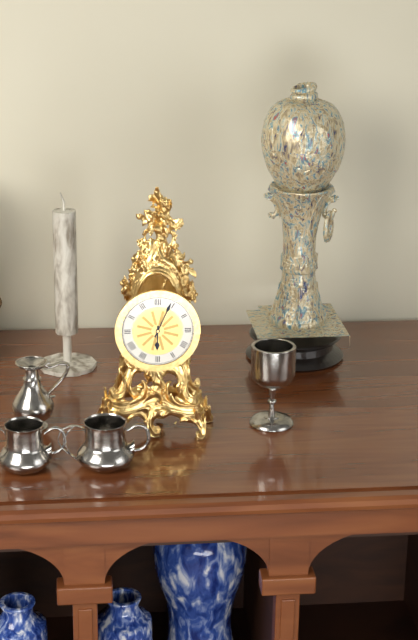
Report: 6:04
